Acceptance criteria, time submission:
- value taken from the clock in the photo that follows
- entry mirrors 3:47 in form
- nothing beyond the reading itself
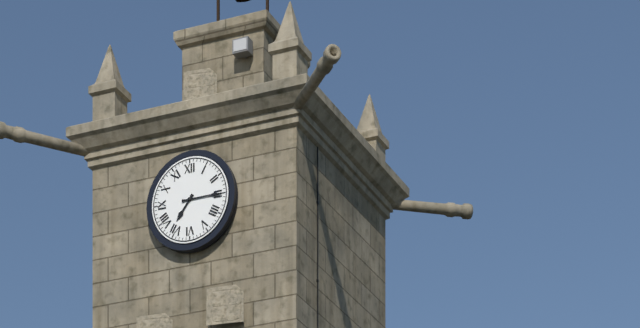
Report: 7:15
